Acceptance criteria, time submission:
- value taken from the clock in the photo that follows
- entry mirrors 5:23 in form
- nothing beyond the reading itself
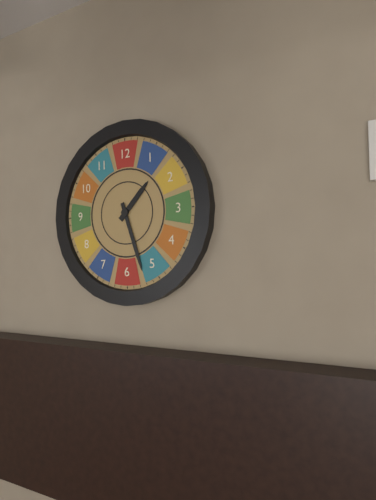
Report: 1:27
